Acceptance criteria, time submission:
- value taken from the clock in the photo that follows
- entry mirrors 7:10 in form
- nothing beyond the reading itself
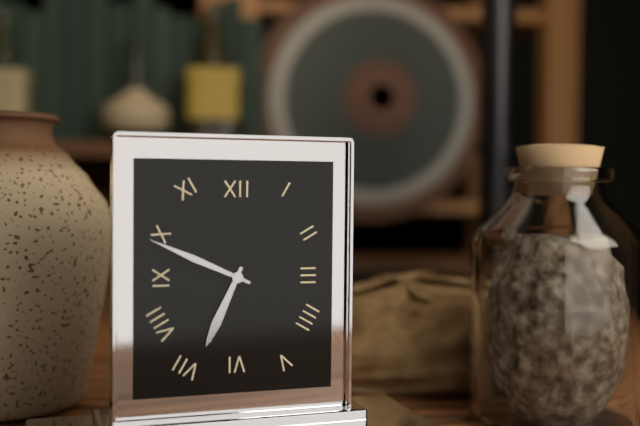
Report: 6:49
